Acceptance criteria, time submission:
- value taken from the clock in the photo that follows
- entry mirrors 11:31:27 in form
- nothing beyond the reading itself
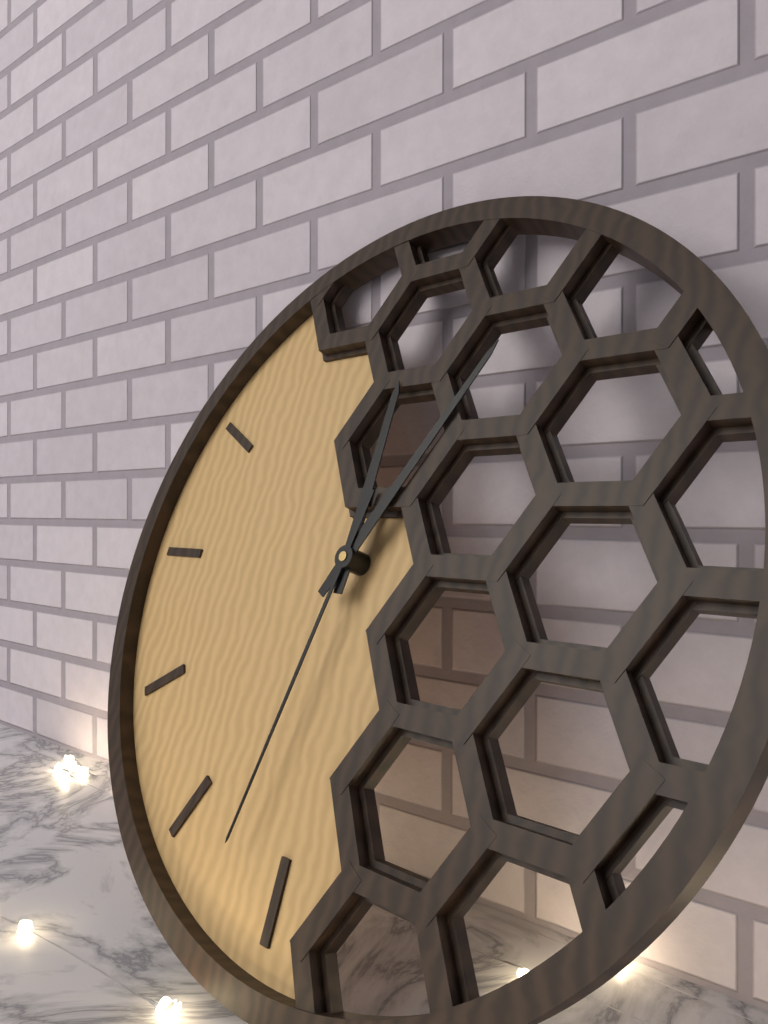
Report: 12:05:32
